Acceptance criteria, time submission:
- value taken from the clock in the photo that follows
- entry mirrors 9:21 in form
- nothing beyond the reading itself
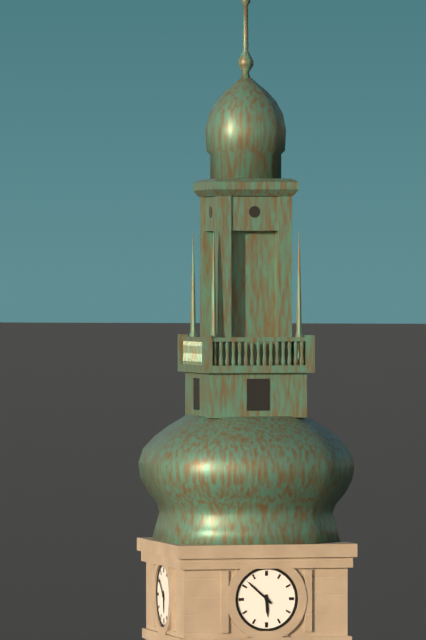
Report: 5:52
